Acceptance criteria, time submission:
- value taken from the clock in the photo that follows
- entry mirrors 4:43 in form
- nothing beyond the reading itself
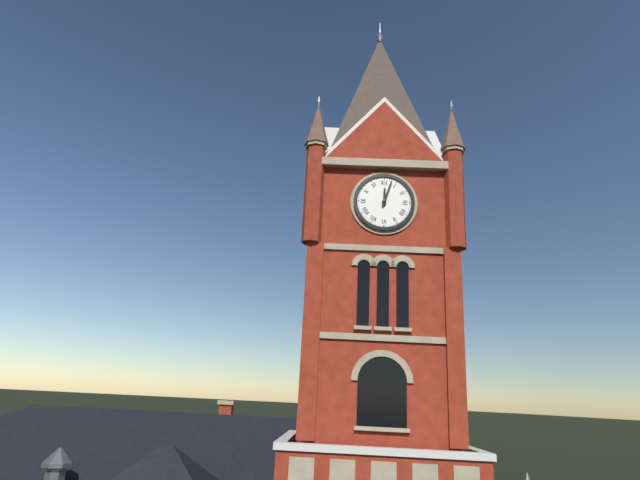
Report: 12:03
